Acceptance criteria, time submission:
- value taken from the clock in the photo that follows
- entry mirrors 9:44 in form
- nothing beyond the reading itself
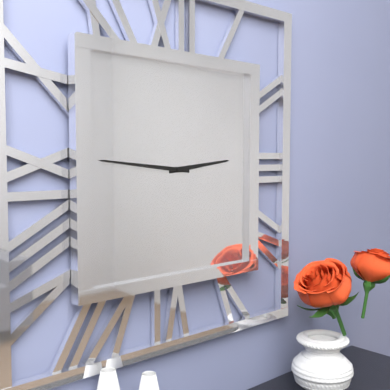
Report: 2:46
